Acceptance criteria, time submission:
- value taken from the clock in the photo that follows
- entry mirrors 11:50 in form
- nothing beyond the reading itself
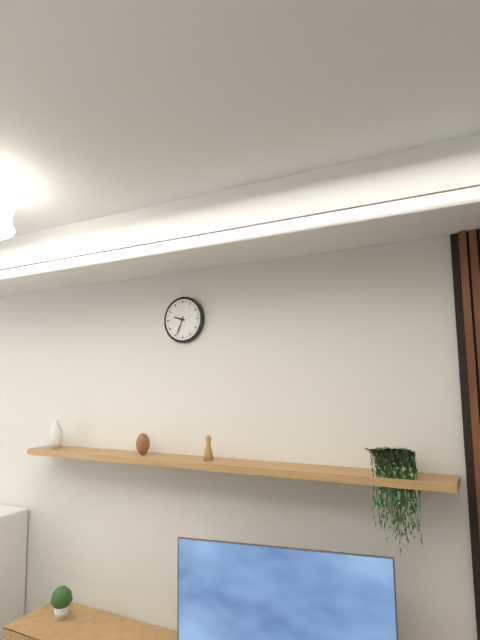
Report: 9:34
